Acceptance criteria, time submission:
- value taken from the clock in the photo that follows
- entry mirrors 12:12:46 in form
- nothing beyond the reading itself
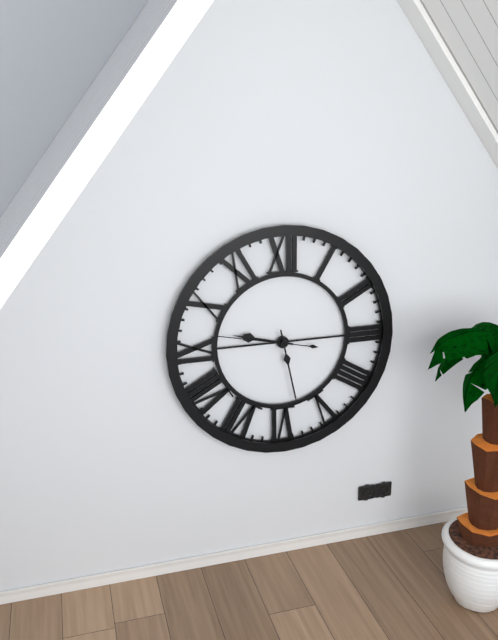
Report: 9:28:47
